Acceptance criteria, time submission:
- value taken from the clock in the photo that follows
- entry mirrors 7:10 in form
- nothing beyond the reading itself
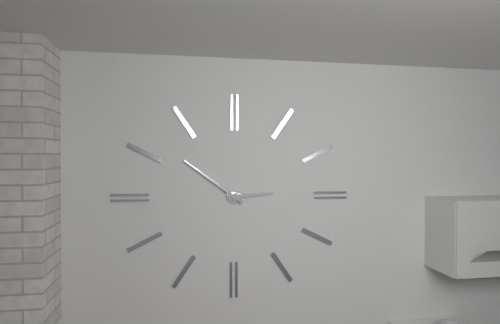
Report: 2:51
